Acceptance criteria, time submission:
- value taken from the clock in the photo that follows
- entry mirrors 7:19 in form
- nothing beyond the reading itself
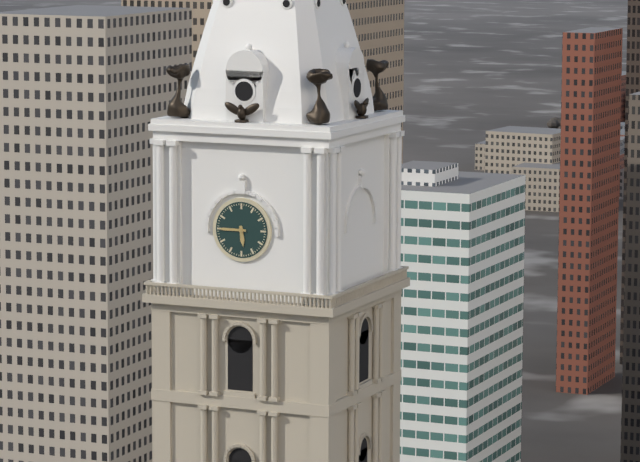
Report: 5:45
